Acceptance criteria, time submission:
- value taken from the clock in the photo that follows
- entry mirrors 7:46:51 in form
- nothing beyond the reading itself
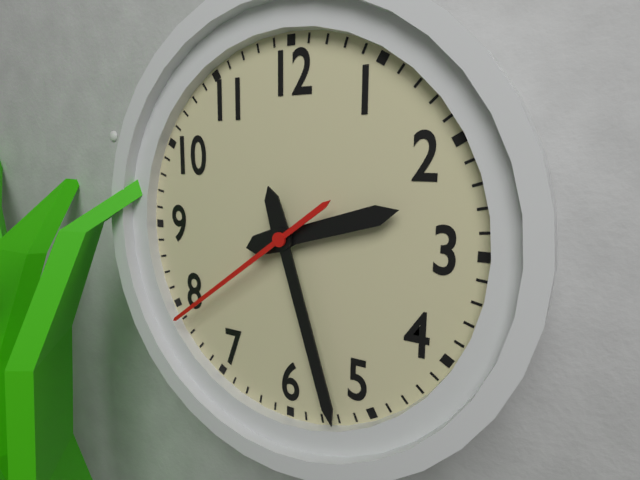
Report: 2:27:39
